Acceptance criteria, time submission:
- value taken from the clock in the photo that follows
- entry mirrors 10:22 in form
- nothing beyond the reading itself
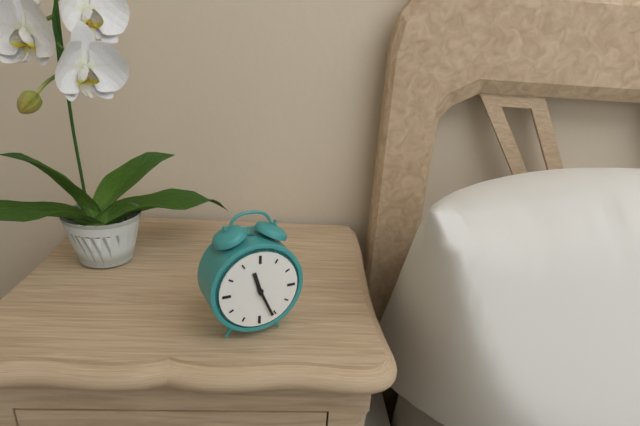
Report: 11:26
